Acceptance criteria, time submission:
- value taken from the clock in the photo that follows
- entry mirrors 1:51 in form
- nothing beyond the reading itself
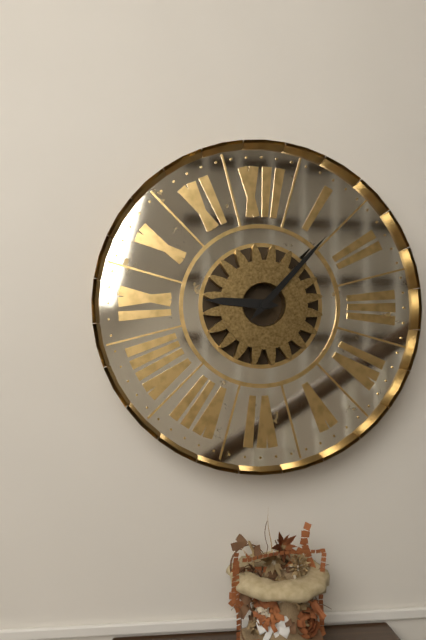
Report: 9:07
